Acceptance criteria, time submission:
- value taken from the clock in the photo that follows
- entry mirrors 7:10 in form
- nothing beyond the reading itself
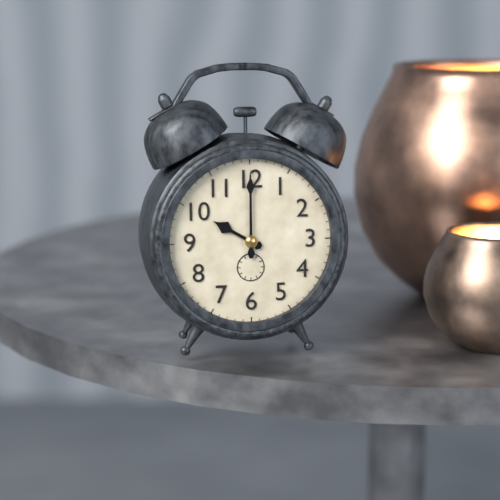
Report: 10:00
